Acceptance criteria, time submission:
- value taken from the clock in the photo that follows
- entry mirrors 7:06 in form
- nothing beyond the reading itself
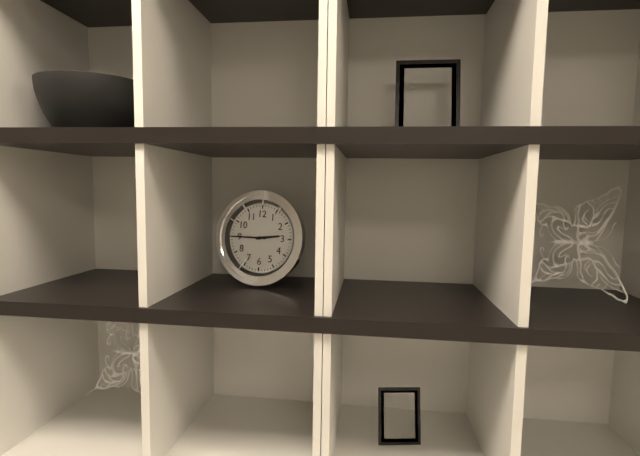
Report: 2:45
